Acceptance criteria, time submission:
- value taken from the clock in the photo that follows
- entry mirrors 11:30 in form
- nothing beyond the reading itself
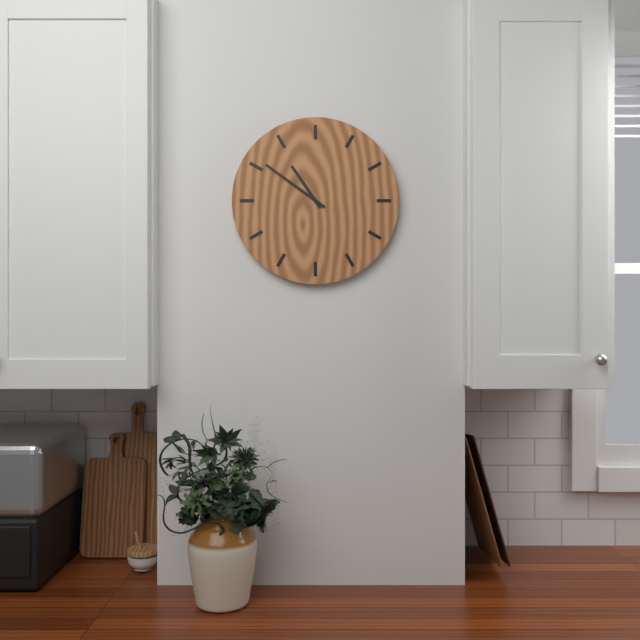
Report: 10:51
